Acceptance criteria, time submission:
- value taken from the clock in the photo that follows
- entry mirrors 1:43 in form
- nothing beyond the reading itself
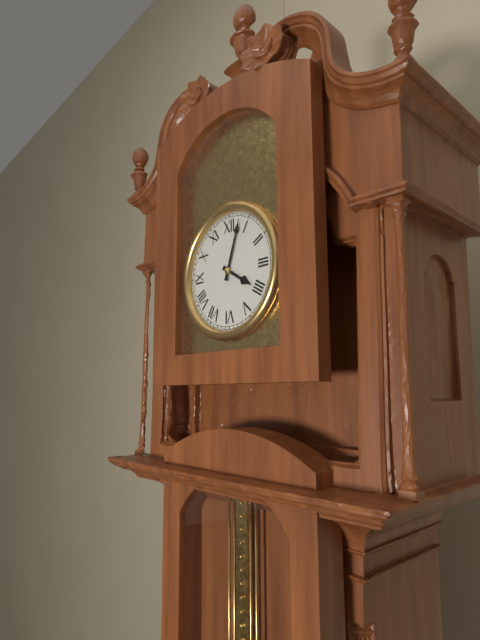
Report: 4:03
